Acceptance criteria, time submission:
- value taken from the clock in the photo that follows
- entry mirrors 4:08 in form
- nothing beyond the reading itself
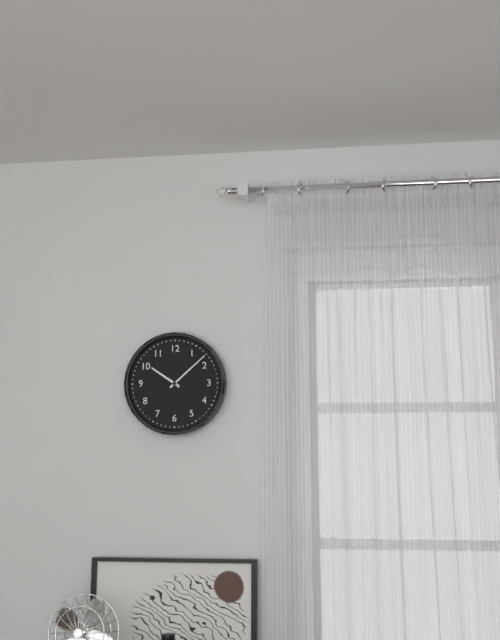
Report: 10:08
